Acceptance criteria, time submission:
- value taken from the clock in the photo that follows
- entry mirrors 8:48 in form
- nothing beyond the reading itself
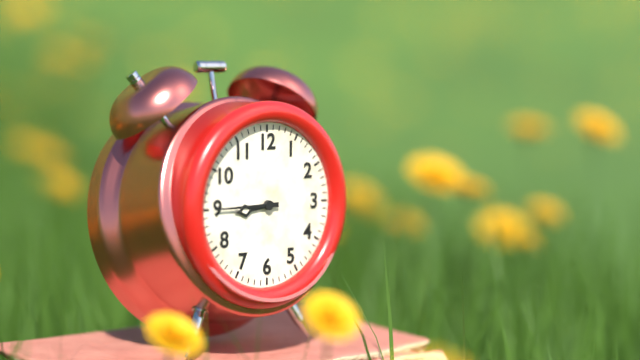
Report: 8:45
